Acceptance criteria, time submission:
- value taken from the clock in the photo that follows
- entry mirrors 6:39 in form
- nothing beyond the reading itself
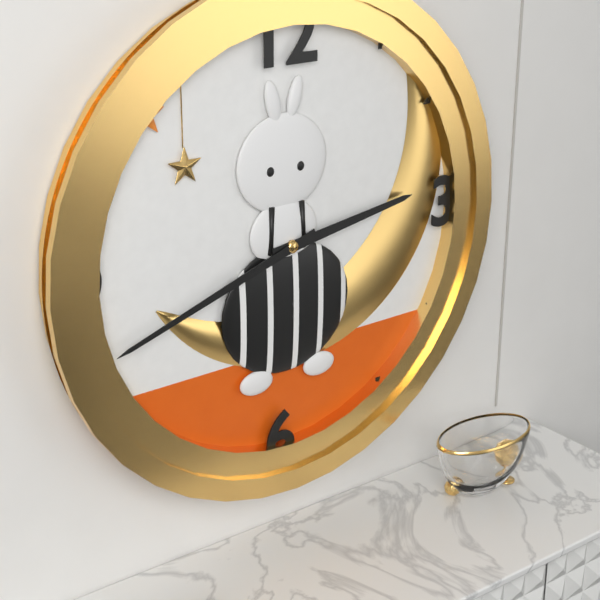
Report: 2:42
